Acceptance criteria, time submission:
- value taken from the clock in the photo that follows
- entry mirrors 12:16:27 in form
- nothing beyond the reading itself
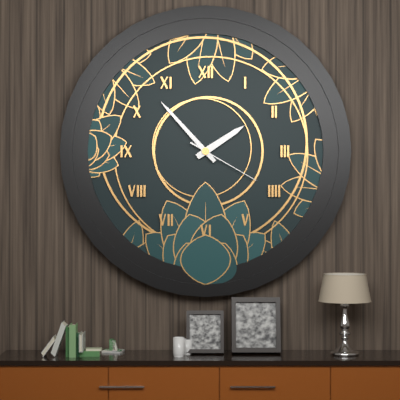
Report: 1:53:20
